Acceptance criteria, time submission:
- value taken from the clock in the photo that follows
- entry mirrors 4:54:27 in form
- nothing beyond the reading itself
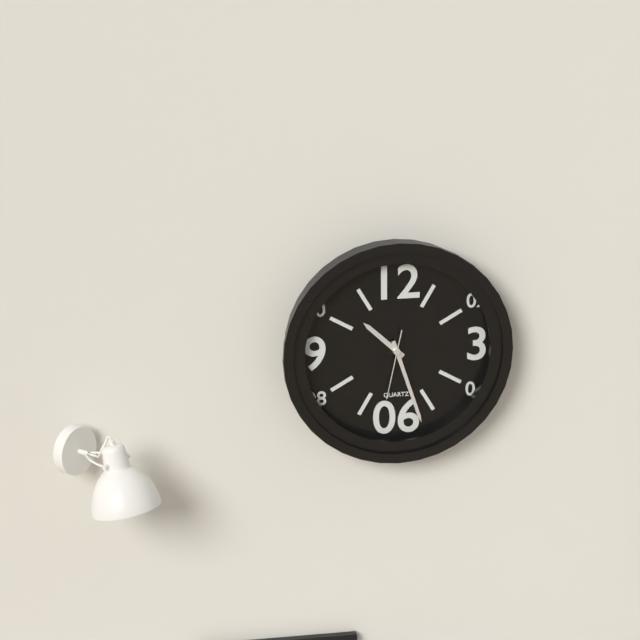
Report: 10:27:32
